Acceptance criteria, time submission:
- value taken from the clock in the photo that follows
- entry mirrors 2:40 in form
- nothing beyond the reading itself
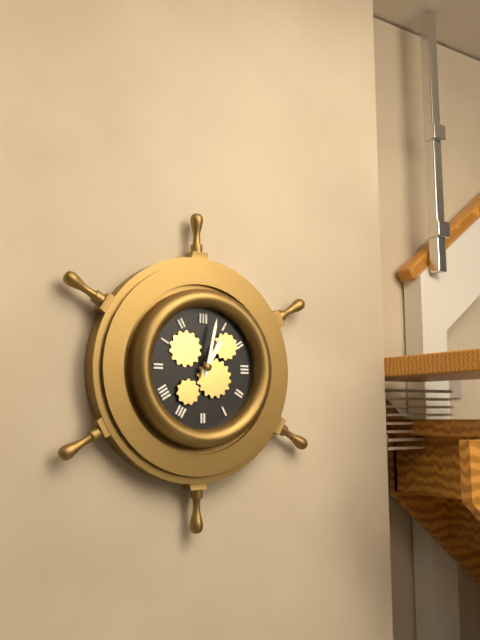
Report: 1:02
